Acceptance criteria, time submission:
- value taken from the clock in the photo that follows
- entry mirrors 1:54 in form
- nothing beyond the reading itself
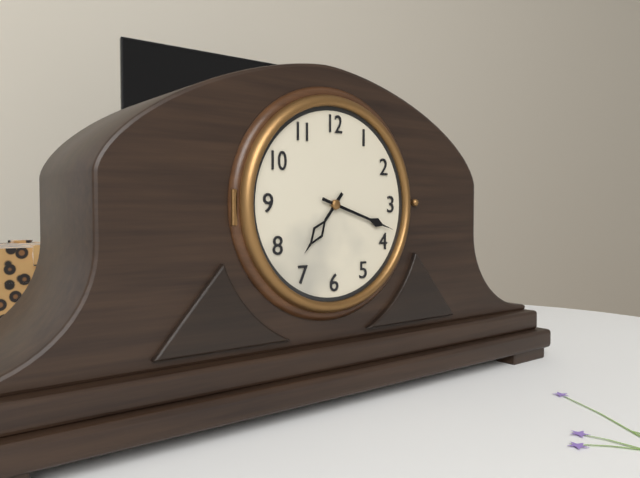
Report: 7:18
